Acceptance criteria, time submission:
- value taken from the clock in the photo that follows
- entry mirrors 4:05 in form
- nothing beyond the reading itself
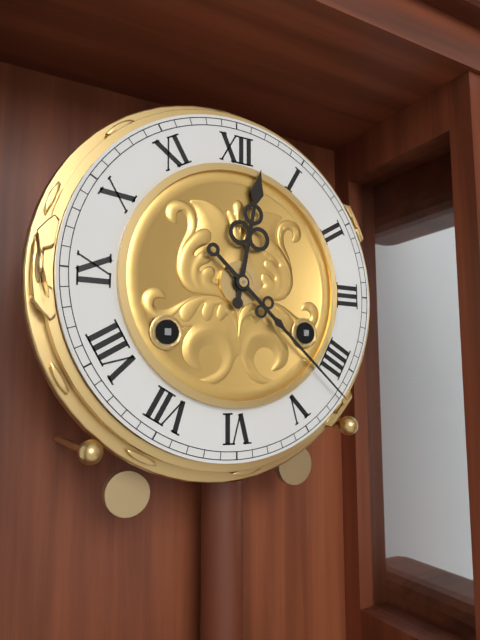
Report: 12:22
